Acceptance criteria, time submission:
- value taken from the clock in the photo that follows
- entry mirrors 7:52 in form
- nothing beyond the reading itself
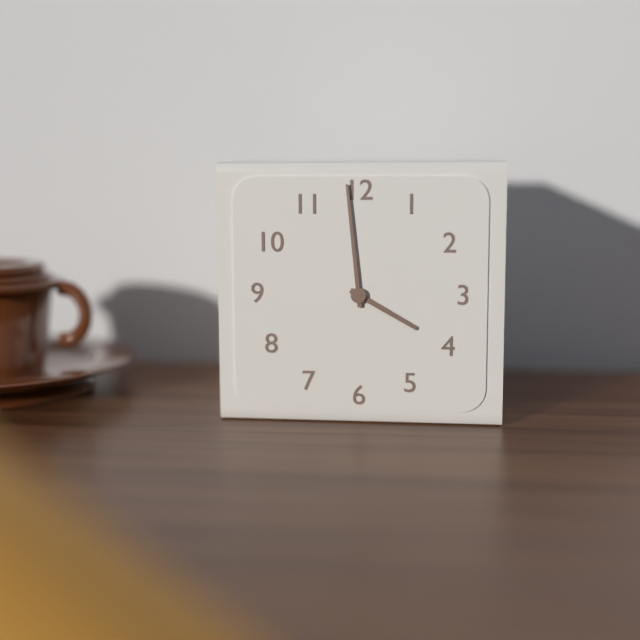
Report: 3:59
